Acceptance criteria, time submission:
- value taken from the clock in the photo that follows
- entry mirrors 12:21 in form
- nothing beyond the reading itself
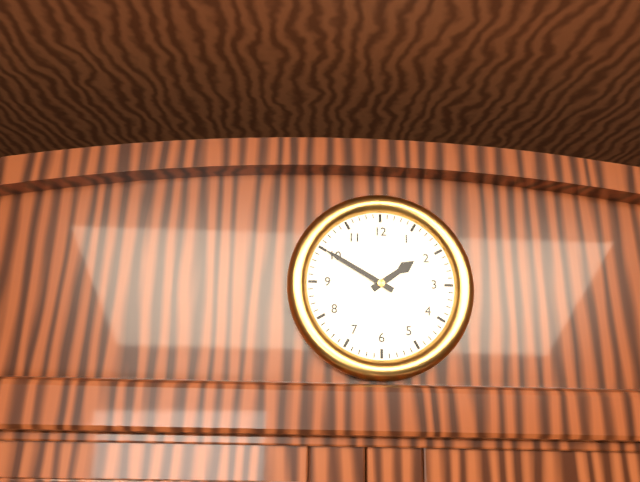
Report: 1:50
